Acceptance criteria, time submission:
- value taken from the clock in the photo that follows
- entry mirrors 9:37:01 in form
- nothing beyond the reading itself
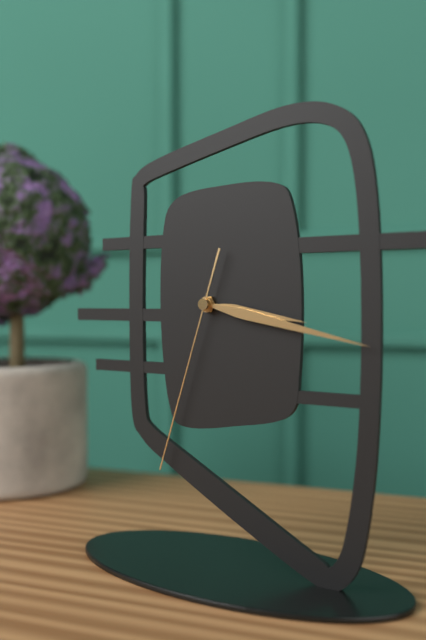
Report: 3:17:33
